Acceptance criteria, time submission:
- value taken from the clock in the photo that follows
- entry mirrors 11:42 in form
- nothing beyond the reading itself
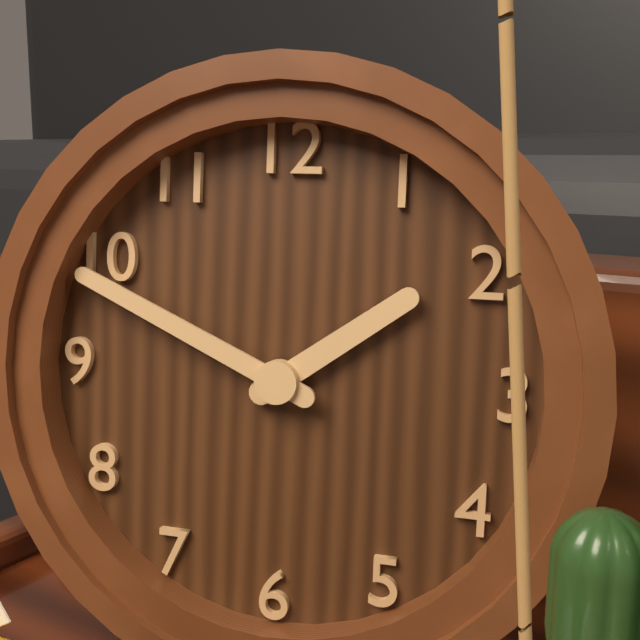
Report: 1:49
